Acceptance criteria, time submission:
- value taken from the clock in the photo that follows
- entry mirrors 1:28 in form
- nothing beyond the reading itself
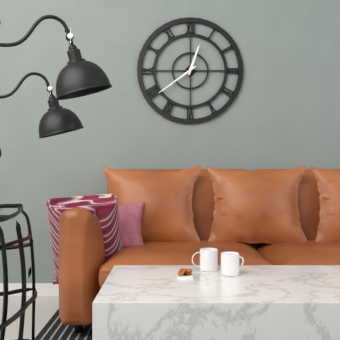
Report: 12:39
